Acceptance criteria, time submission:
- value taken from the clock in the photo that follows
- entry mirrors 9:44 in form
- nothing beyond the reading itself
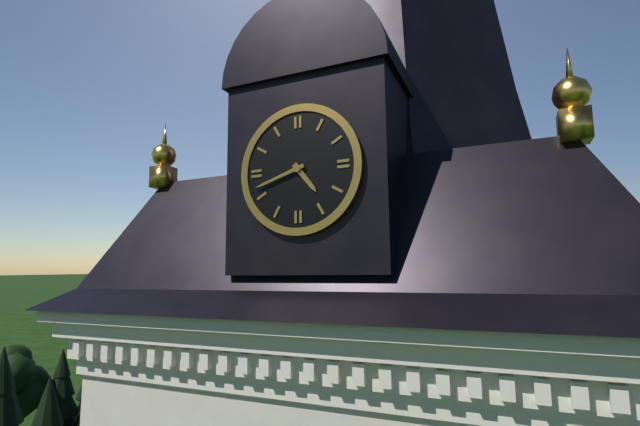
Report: 4:42
